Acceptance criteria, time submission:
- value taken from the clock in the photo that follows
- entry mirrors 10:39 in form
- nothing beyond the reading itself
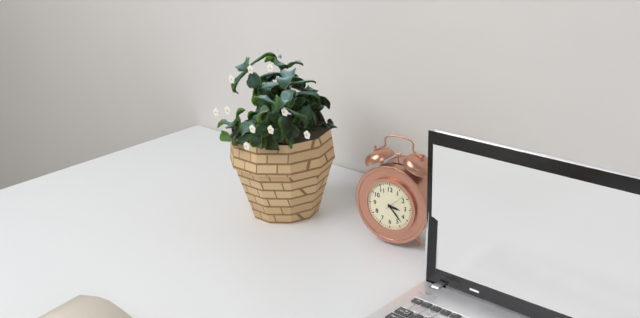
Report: 3:23
